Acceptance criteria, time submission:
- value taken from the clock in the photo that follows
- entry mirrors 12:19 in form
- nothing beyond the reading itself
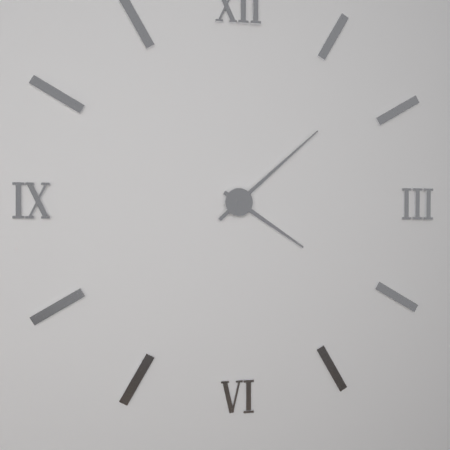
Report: 4:08
